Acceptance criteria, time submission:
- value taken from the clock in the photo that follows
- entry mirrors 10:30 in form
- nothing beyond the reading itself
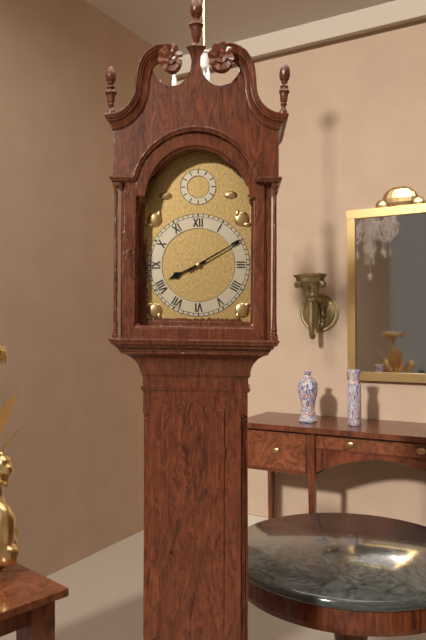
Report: 8:10
